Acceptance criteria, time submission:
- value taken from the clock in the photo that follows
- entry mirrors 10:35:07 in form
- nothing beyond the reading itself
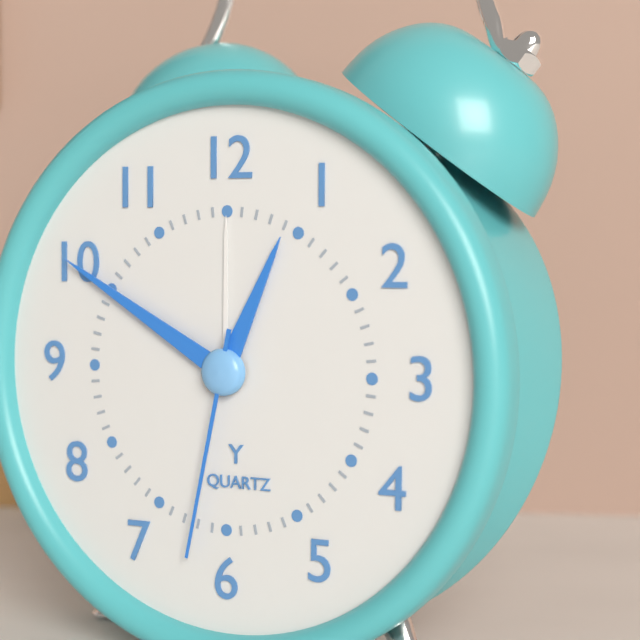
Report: 12:50:32
